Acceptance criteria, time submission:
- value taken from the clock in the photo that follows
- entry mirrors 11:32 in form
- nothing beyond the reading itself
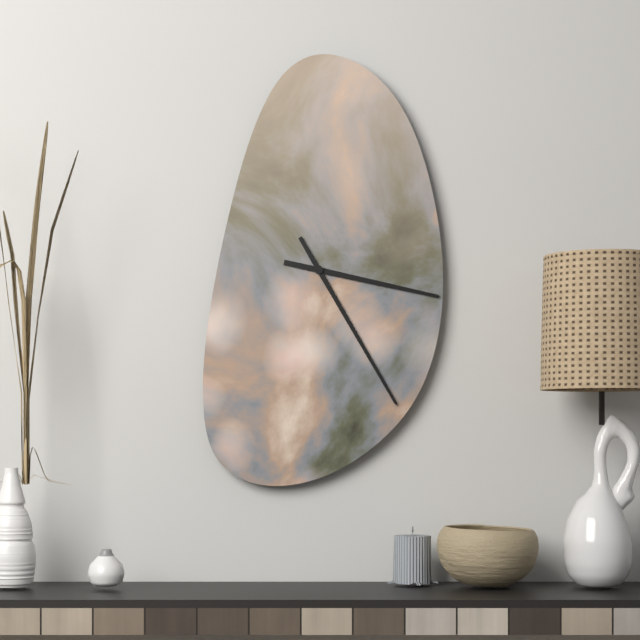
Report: 3:25
